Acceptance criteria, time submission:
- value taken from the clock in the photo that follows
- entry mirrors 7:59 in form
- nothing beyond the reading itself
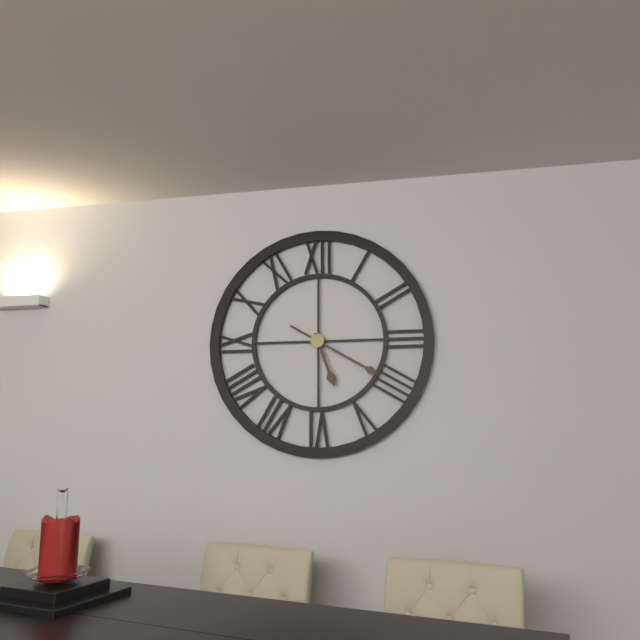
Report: 5:20
